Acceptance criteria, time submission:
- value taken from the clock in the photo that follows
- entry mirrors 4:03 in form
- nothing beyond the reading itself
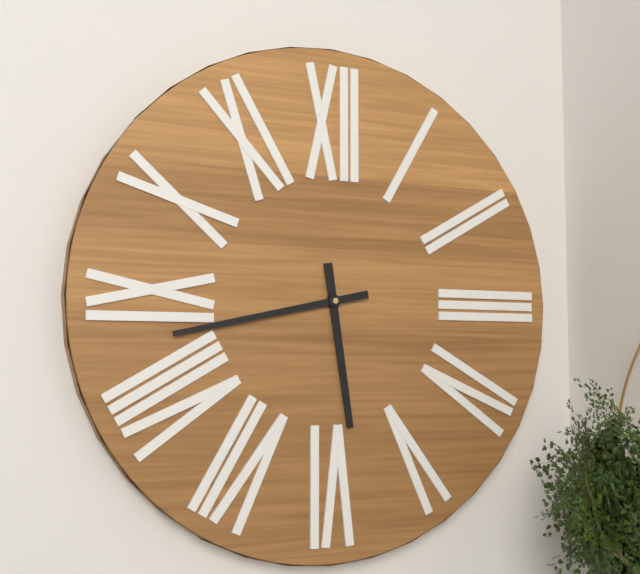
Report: 5:43
